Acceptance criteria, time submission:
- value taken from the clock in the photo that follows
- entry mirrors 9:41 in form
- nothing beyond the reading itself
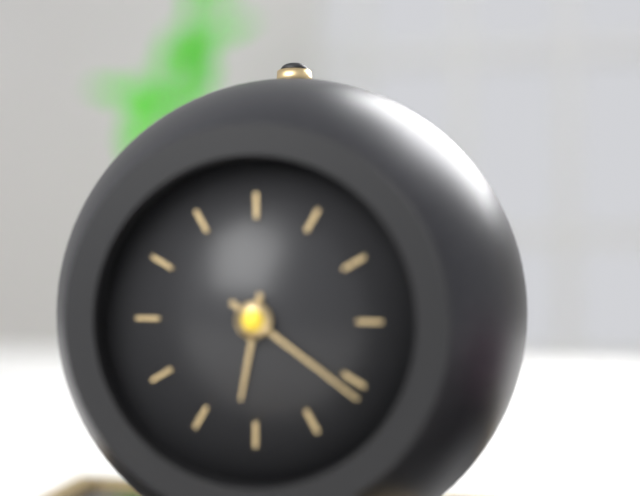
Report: 6:21
